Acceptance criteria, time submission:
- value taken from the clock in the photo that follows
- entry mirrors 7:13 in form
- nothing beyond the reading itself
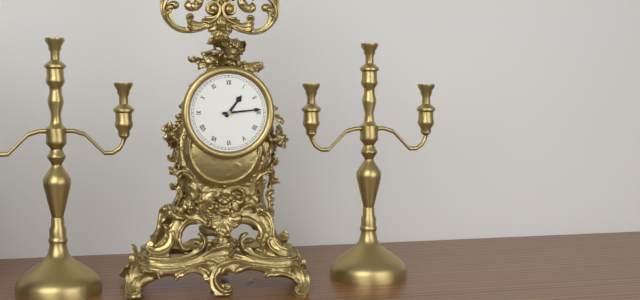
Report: 1:14
